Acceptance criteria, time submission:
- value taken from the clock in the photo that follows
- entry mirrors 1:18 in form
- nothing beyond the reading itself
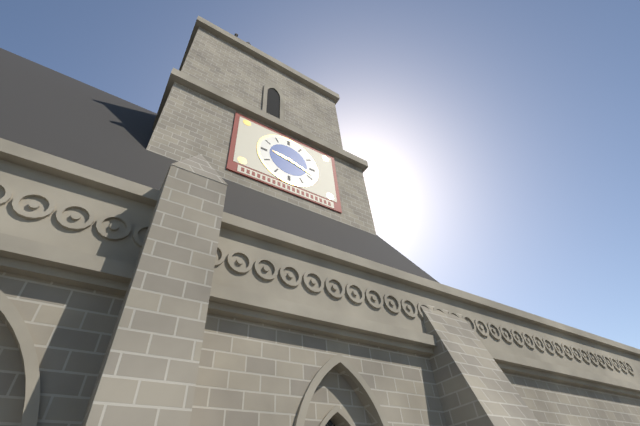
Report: 9:18
